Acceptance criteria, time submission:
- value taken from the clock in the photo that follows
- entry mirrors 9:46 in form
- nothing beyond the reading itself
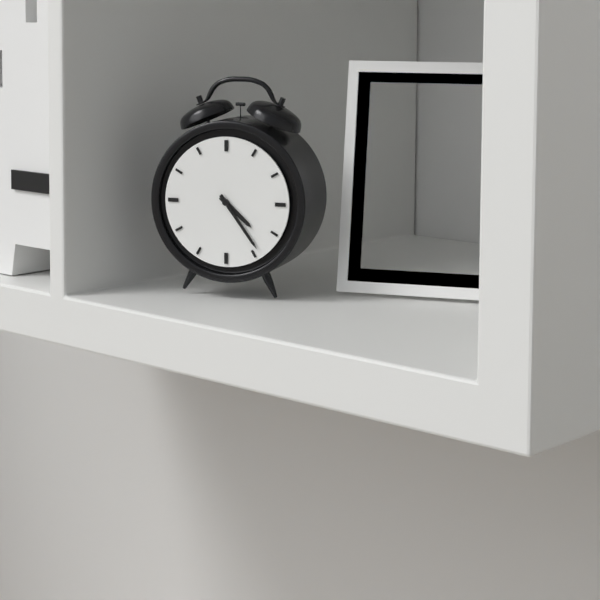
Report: 4:24
